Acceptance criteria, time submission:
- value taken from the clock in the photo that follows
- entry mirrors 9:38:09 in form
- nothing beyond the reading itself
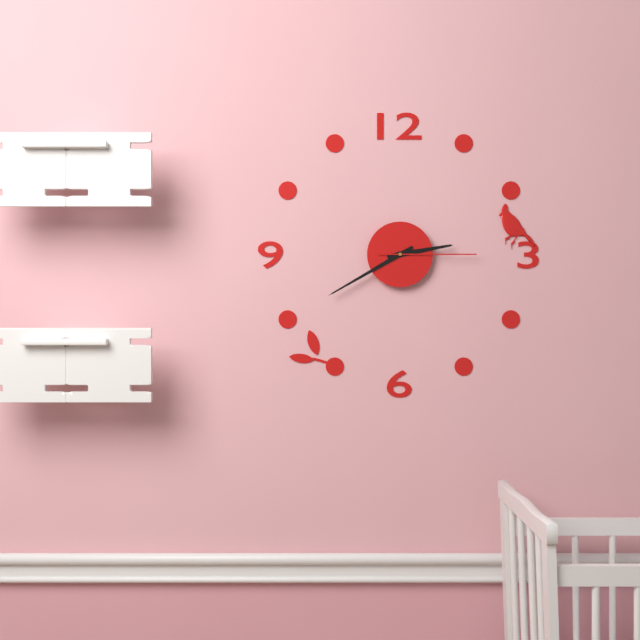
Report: 2:40:15
